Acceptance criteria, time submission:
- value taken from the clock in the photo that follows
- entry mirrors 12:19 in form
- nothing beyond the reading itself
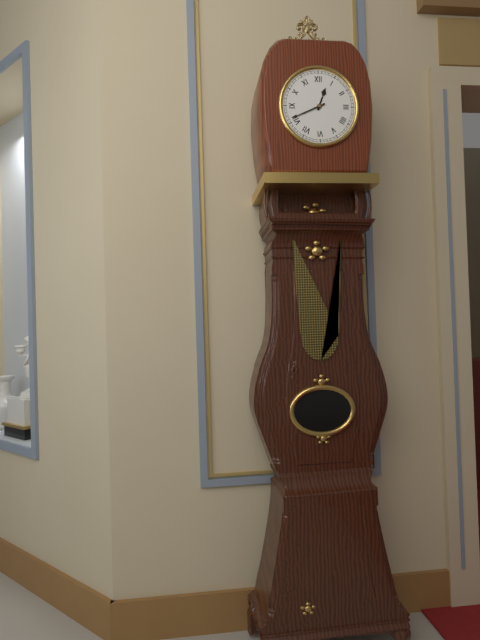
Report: 12:41
